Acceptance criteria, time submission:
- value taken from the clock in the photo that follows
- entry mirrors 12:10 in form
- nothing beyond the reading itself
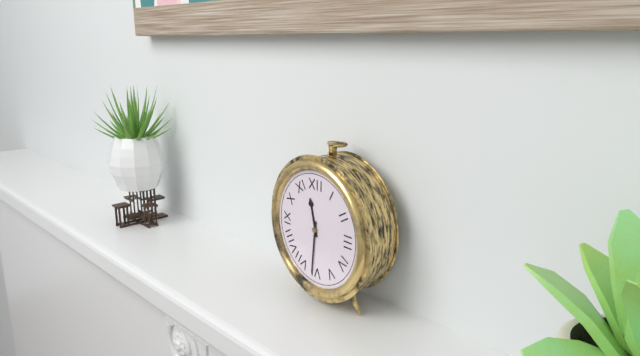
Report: 11:31
